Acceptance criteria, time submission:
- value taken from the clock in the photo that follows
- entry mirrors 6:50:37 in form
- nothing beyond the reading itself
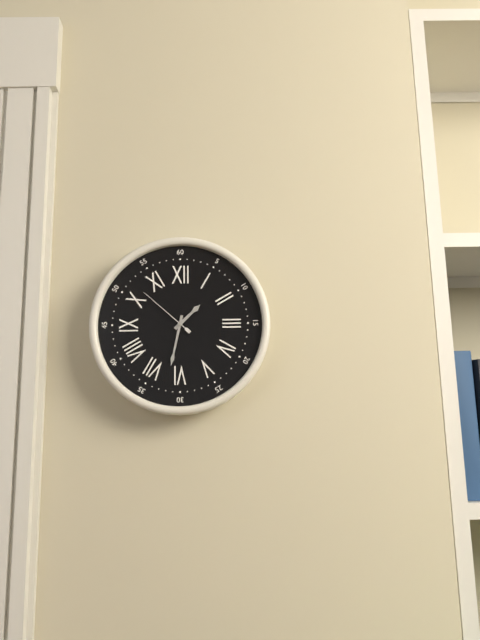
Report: 1:32:52
